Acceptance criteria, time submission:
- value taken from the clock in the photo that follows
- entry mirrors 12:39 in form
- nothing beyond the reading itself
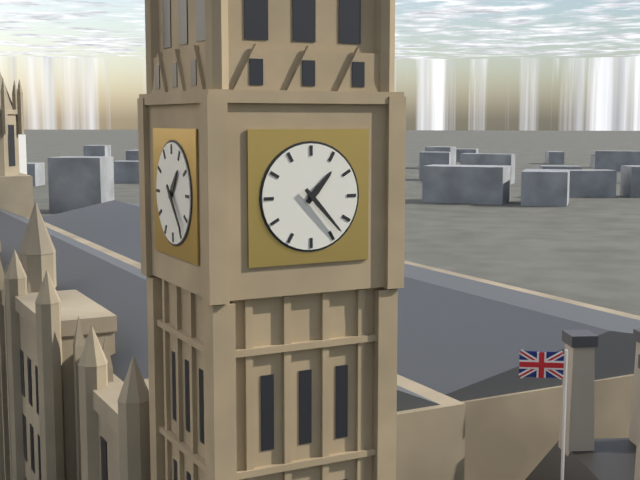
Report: 1:23
